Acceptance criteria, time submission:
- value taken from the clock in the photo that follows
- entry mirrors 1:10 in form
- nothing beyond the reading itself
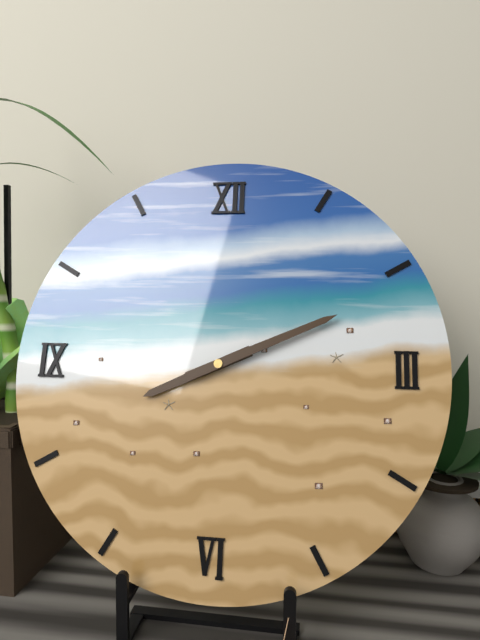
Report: 8:11
